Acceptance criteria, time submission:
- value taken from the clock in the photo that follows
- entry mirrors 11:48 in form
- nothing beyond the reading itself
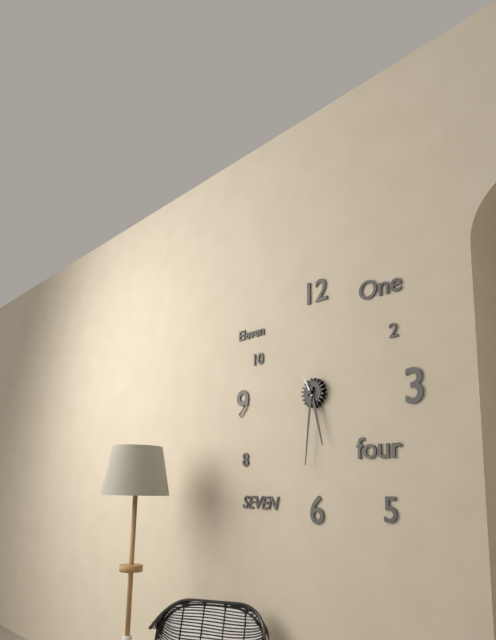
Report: 5:31
